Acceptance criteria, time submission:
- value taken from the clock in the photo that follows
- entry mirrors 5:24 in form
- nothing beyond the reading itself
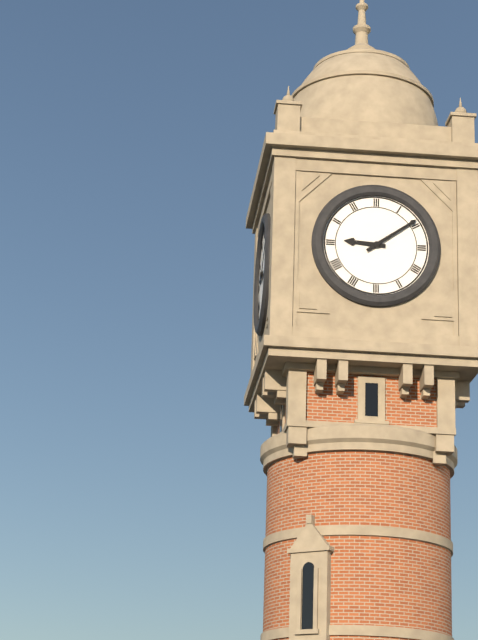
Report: 9:09
